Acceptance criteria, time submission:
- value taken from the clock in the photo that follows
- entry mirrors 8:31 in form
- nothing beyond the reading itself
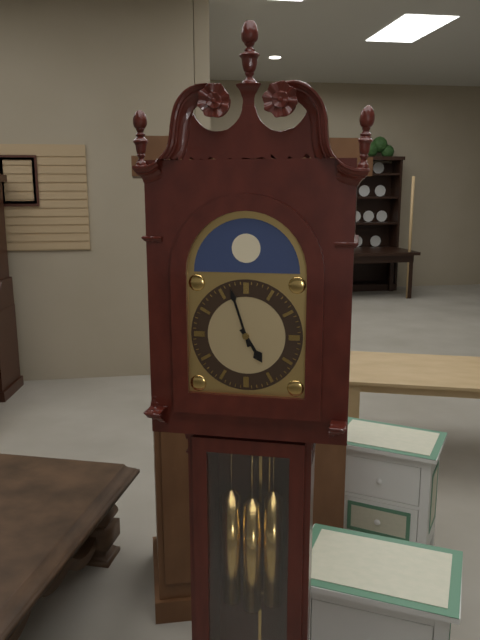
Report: 4:57
